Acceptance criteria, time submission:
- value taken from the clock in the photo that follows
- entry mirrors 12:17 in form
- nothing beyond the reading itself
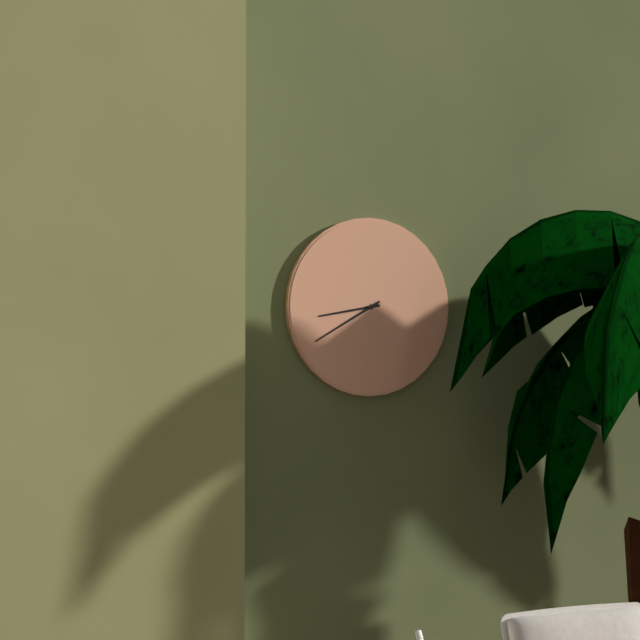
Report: 8:40
